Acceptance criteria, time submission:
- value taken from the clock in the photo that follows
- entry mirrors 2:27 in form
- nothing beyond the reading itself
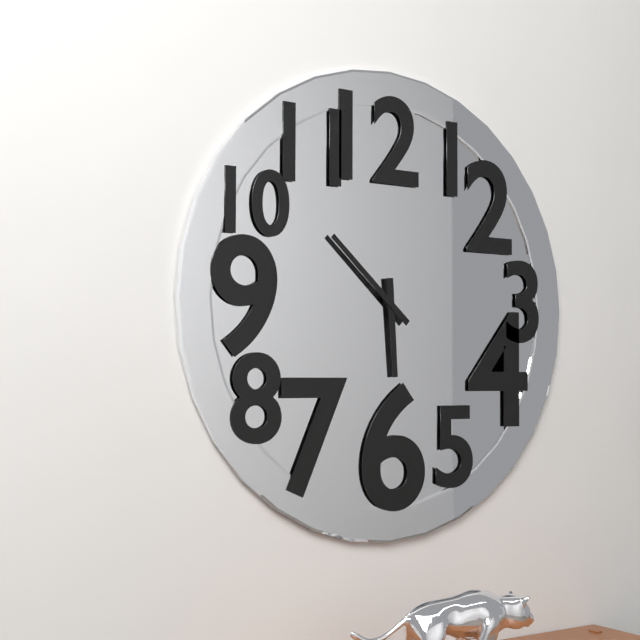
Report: 5:52
